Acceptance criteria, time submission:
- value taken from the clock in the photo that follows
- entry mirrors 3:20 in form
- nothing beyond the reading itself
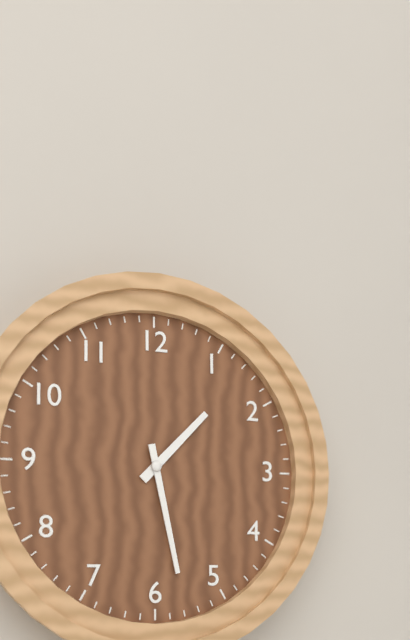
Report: 1:28
